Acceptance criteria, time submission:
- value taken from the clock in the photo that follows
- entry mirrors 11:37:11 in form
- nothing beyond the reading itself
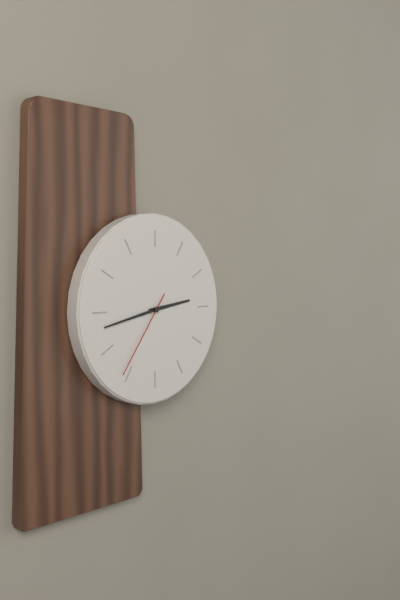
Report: 2:43:36
